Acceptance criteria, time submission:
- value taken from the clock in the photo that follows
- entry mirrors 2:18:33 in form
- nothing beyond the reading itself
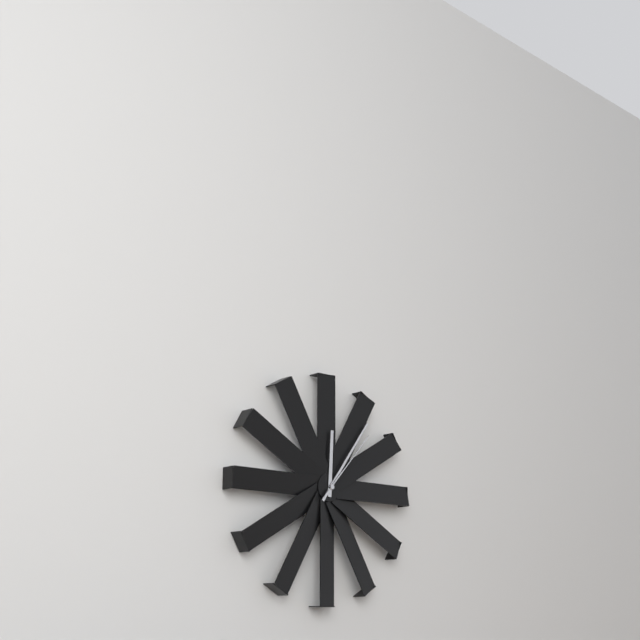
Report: 12:06:07
